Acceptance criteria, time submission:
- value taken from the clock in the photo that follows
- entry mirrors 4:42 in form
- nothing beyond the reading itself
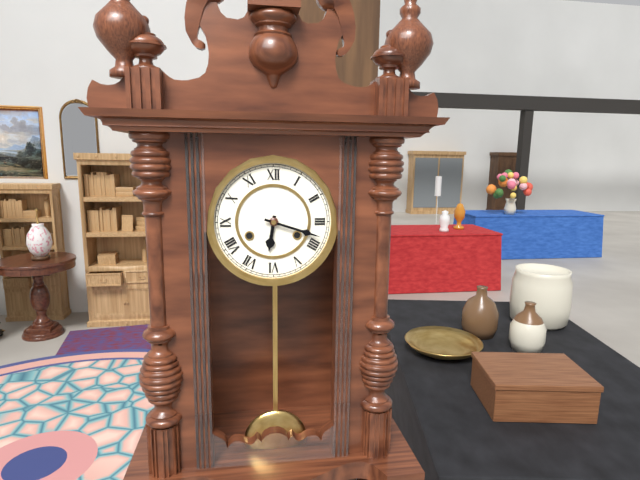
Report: 6:18
